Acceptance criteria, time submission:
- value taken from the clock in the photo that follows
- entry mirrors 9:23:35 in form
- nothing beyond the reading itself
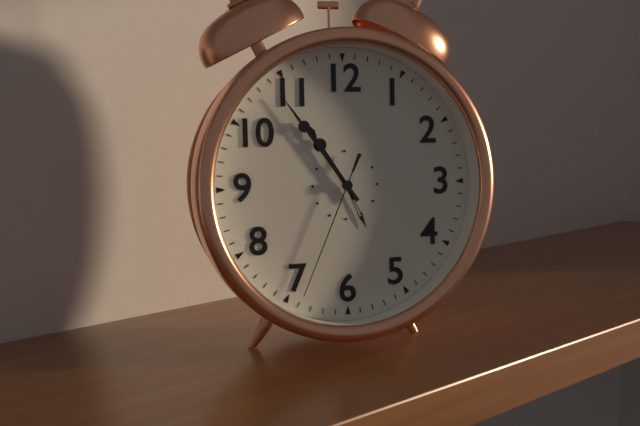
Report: 10:54:34
